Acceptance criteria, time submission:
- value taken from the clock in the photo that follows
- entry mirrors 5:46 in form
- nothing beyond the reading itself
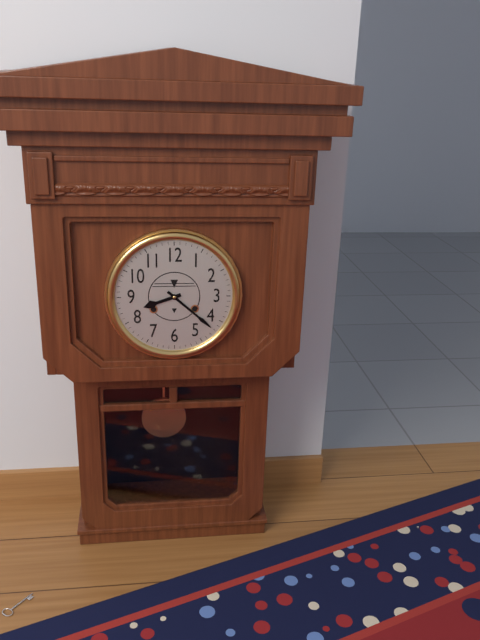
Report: 8:22
